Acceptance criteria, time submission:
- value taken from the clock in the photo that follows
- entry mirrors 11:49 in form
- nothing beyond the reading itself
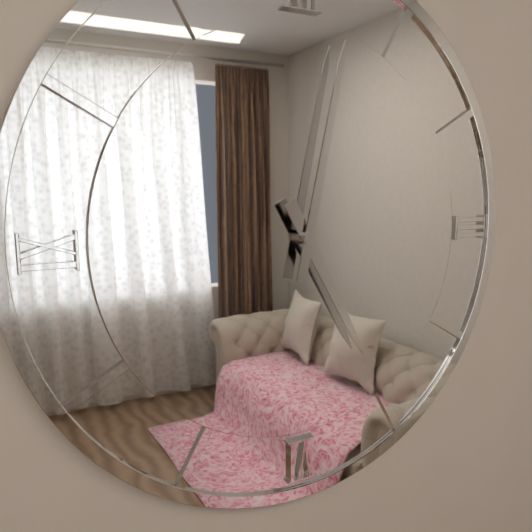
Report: 5:02
